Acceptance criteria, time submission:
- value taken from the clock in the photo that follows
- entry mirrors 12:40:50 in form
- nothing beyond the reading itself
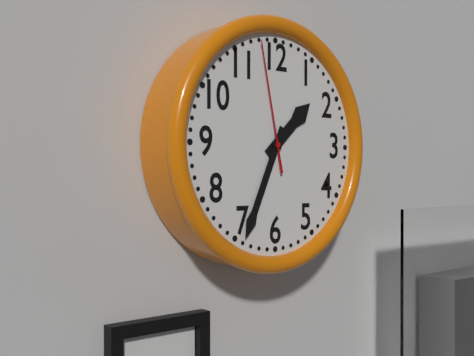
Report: 1:34:58
